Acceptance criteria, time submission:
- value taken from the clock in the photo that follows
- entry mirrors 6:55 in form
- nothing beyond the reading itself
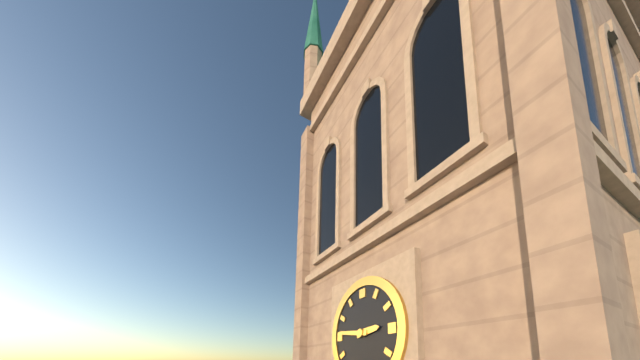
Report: 2:46
